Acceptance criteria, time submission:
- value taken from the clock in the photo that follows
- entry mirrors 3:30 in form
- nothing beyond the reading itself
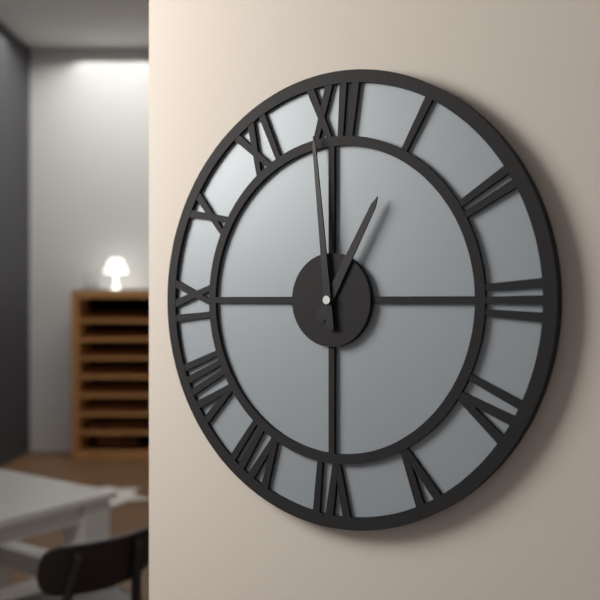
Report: 12:59
